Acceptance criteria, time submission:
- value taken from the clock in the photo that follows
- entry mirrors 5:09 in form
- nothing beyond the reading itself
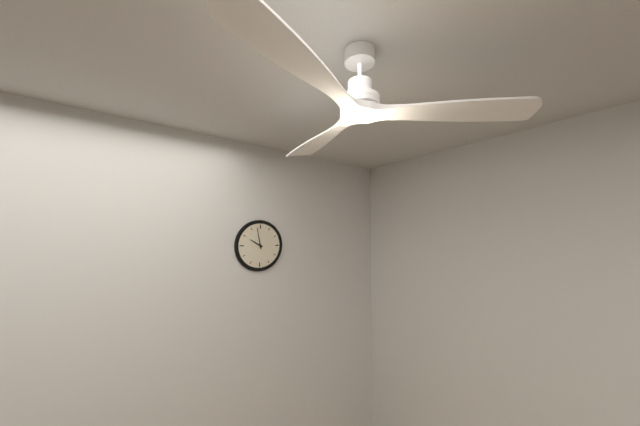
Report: 9:58
